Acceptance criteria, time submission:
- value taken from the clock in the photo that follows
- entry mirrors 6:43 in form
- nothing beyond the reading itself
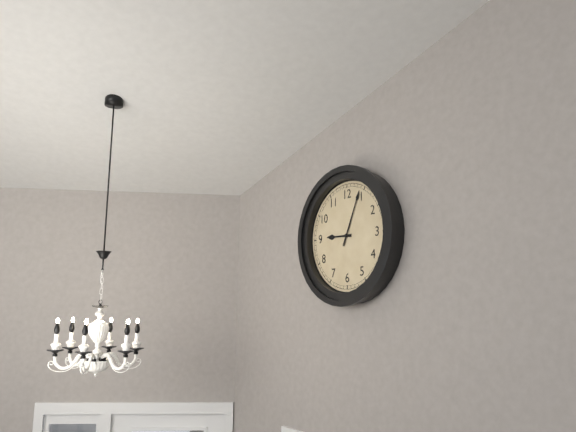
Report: 9:04
